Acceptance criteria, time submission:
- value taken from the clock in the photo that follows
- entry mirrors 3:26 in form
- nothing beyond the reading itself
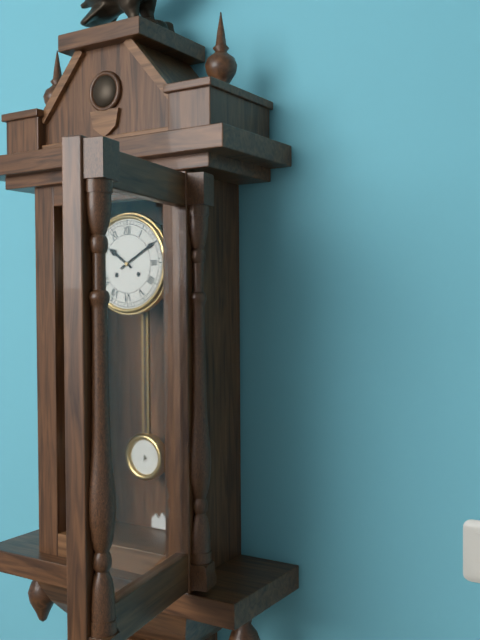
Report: 10:10
